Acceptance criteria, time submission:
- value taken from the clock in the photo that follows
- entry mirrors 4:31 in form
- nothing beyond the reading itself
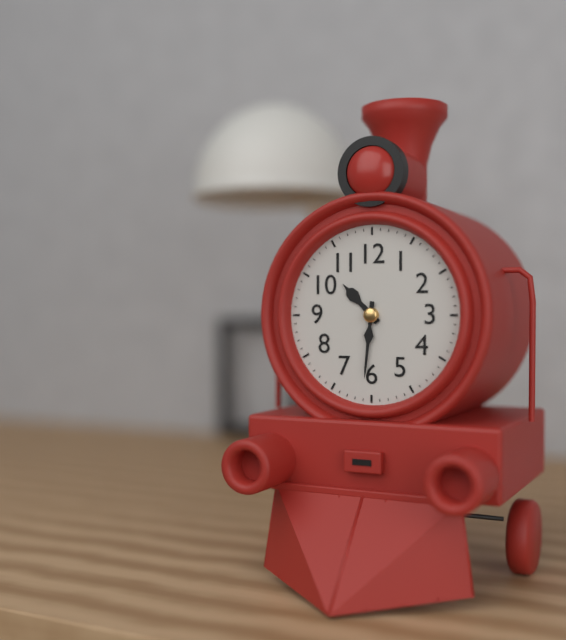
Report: 10:31
